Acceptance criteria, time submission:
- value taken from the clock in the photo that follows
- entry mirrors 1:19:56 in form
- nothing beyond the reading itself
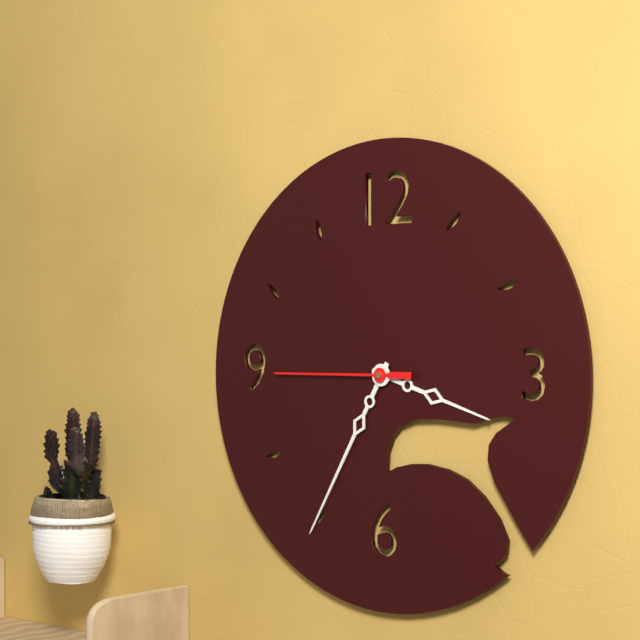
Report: 3:35:45
